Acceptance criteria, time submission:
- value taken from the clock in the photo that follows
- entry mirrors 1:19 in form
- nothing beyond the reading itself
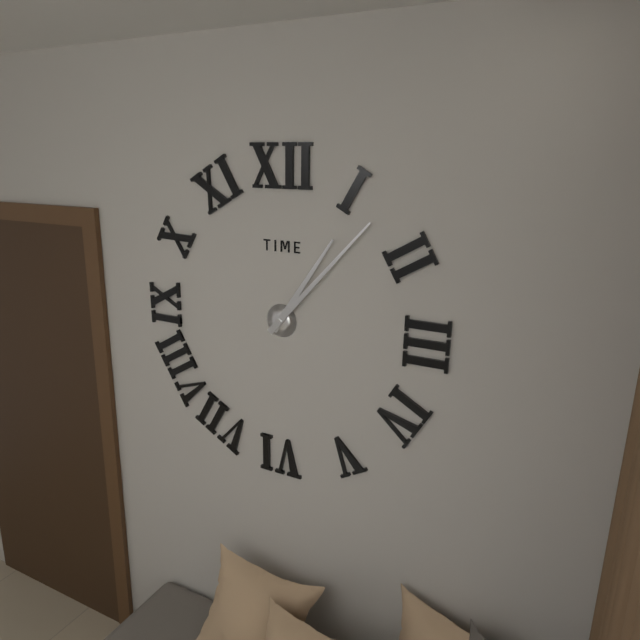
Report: 1:07
